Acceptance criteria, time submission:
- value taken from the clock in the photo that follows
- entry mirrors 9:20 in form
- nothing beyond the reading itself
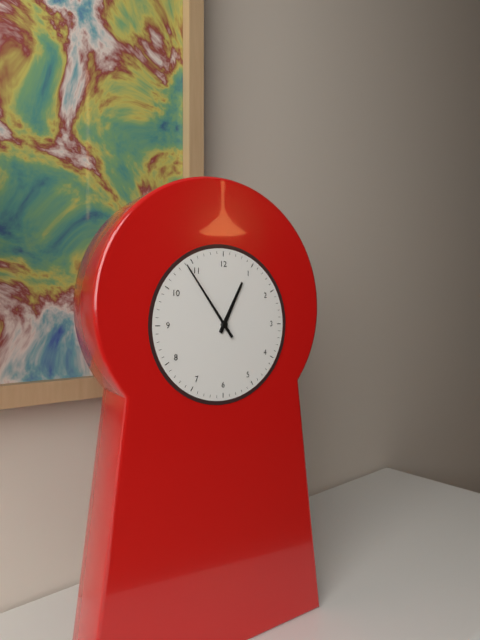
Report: 12:54
